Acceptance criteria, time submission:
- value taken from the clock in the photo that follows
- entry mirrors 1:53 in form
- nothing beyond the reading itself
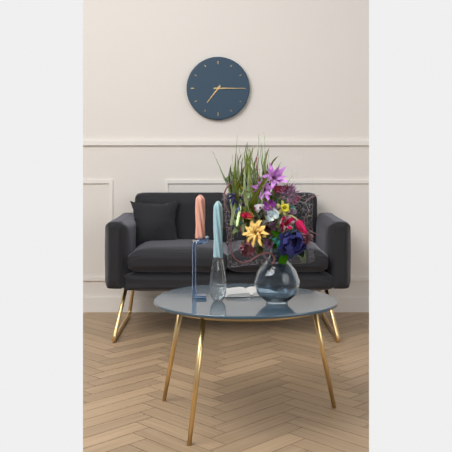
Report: 7:15
